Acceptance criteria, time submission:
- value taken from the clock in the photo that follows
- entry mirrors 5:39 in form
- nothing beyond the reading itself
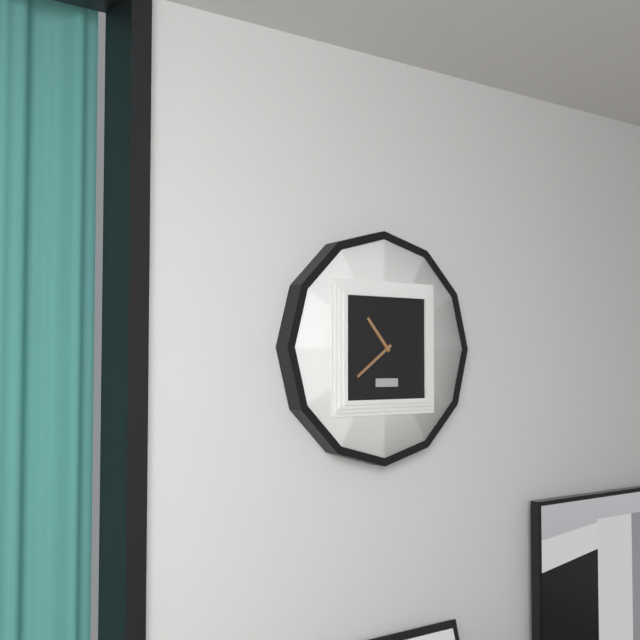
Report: 10:39
